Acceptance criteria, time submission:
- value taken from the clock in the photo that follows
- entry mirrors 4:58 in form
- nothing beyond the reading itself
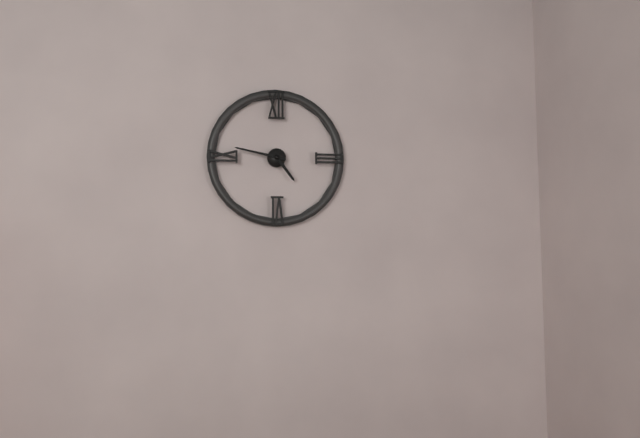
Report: 4:47
